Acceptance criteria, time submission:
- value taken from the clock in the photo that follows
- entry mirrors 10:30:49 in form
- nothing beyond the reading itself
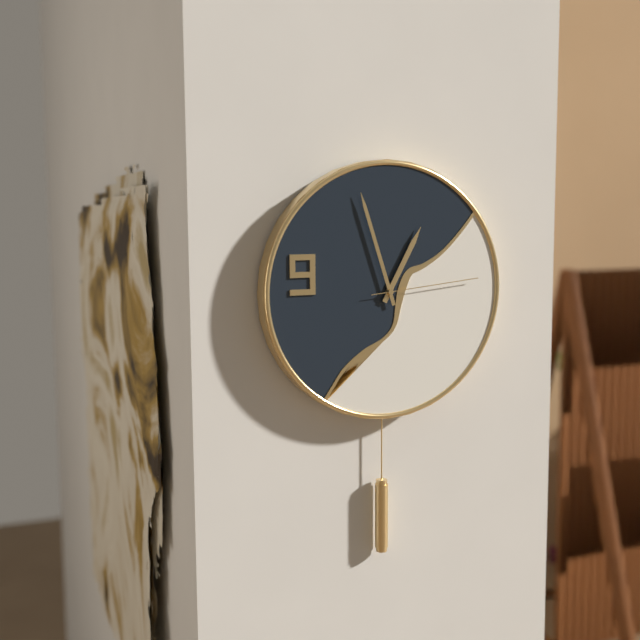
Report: 12:57:14
